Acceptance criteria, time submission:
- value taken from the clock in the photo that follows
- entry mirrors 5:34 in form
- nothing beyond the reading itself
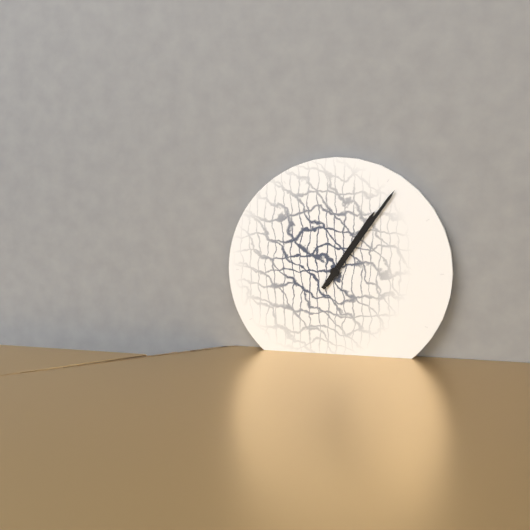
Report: 1:06
